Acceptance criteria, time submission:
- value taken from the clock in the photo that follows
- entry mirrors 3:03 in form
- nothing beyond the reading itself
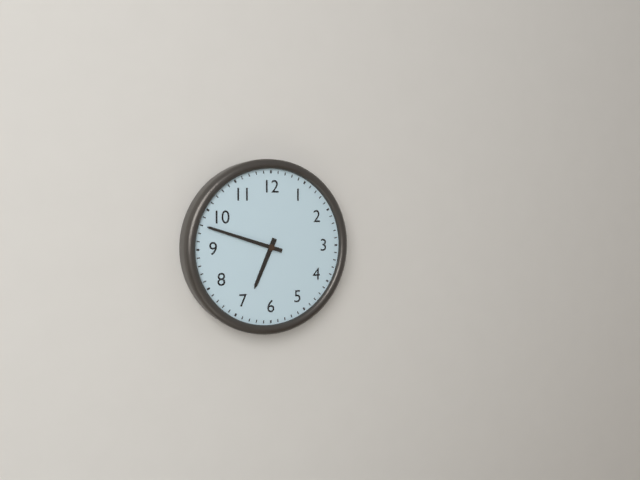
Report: 6:48
